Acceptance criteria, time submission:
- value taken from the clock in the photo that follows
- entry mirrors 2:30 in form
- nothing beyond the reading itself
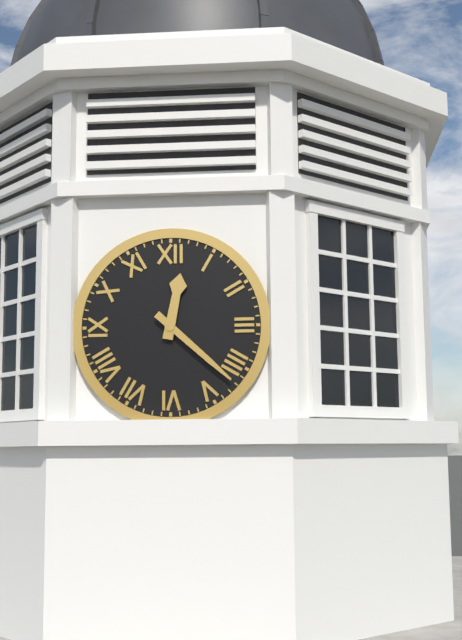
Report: 12:22
